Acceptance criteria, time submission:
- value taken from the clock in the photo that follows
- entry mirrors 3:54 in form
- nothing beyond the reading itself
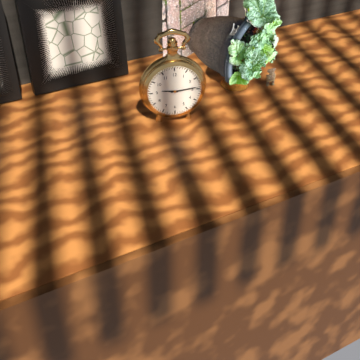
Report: 9:14
